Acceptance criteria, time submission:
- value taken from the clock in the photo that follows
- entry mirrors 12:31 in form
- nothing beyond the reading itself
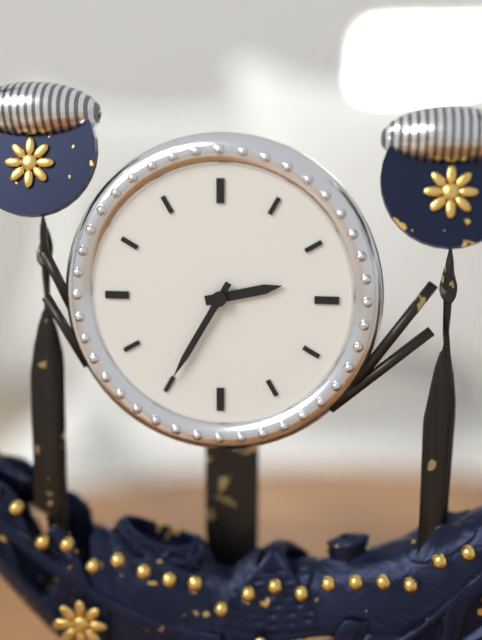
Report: 2:35
